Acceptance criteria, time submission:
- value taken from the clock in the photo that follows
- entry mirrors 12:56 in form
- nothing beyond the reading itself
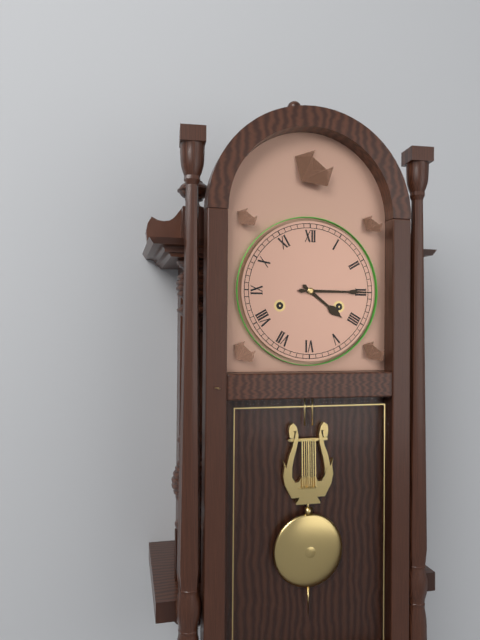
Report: 4:15
